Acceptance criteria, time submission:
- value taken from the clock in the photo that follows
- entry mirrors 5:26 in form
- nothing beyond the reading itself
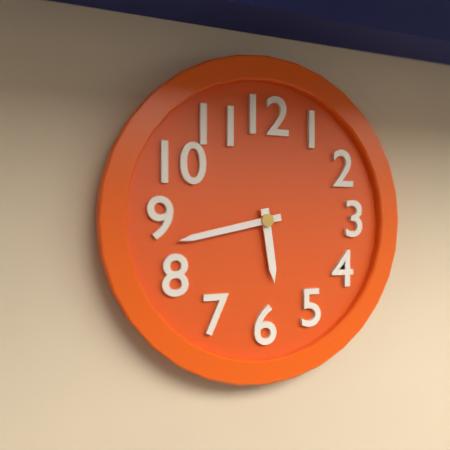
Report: 5:43
